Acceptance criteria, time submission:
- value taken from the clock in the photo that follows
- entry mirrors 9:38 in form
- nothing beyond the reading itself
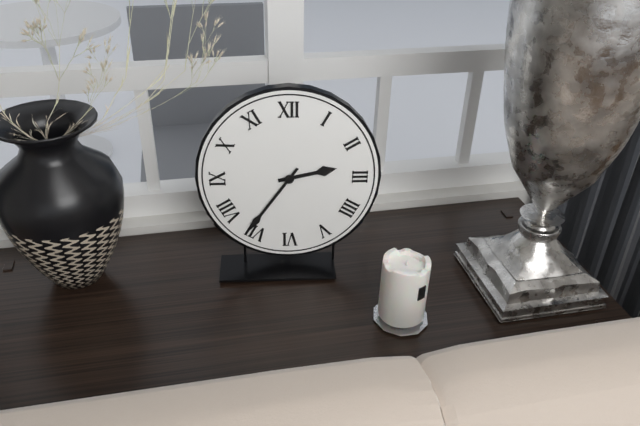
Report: 2:36
